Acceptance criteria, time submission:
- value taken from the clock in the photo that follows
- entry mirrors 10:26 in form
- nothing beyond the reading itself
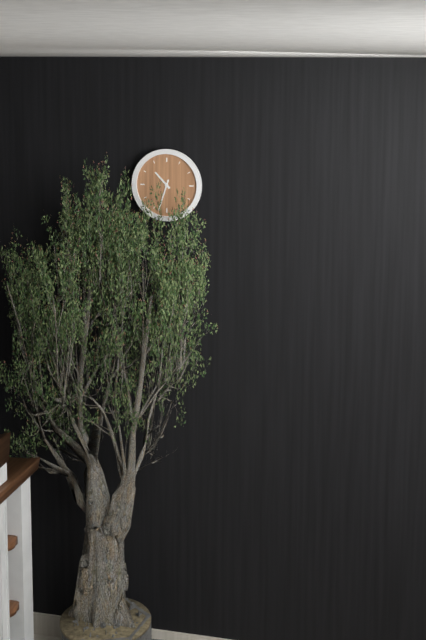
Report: 10:33
